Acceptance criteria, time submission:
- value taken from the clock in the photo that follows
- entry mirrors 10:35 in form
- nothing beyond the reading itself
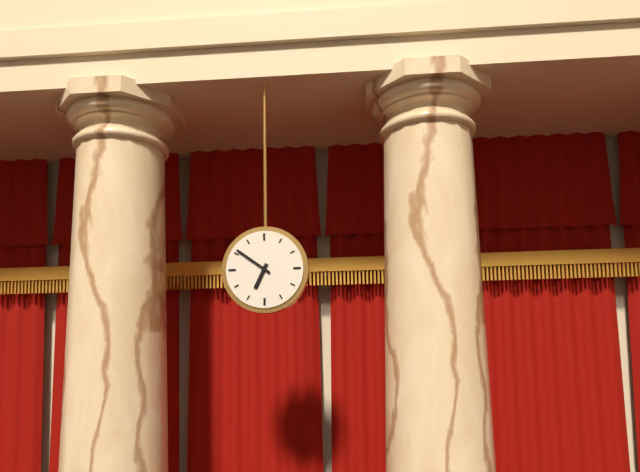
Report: 6:51
